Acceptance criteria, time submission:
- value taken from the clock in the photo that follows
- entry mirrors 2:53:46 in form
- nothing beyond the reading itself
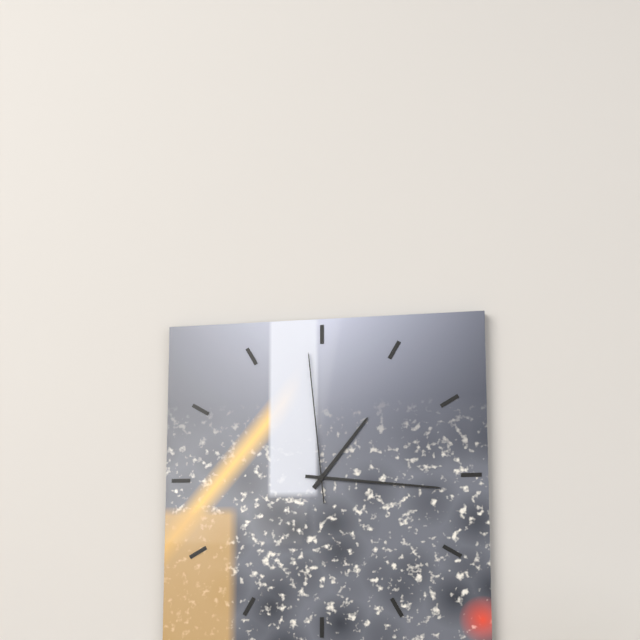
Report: 1:16:59
